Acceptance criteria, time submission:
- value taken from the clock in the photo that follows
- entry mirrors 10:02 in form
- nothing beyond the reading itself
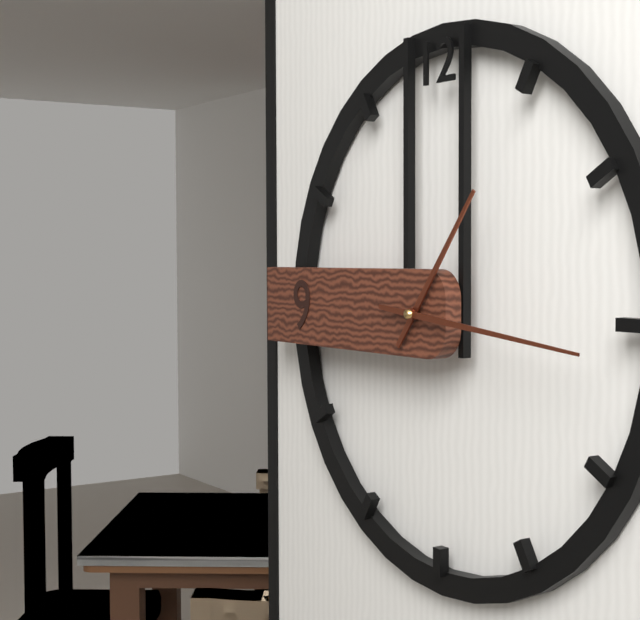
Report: 1:16
